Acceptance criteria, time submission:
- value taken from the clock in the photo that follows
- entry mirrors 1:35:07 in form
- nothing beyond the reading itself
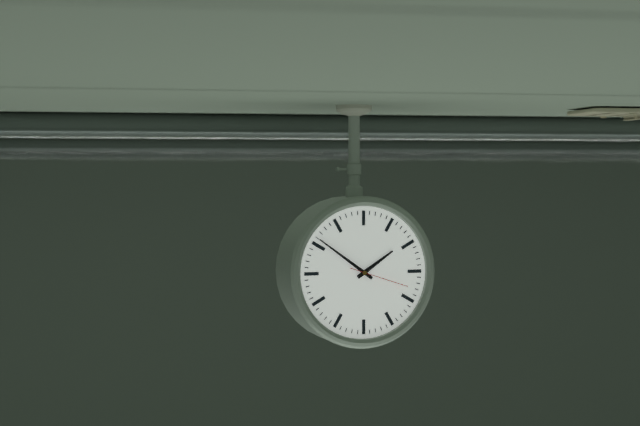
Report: 1:51:18
